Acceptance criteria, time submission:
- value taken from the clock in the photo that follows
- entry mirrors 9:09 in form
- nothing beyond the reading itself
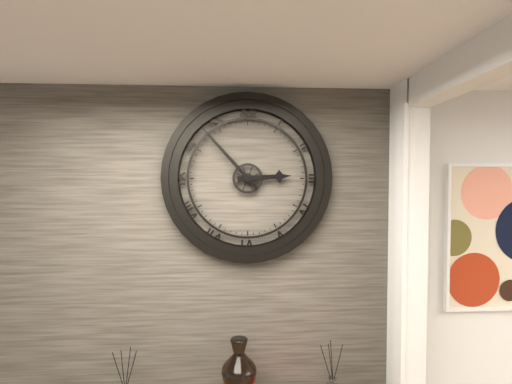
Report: 2:53
